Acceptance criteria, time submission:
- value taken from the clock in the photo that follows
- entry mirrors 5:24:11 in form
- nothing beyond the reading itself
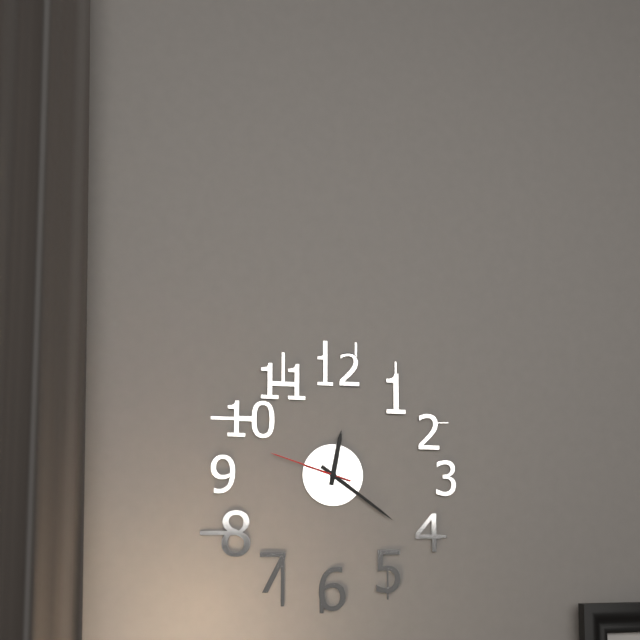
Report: 12:21:48
